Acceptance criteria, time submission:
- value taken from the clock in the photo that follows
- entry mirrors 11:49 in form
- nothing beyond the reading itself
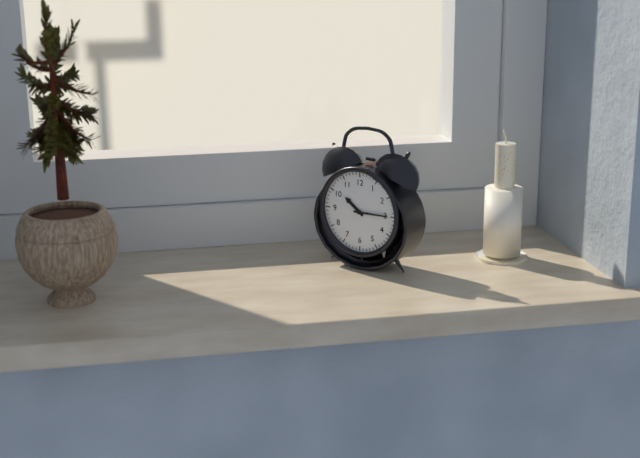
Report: 10:15
